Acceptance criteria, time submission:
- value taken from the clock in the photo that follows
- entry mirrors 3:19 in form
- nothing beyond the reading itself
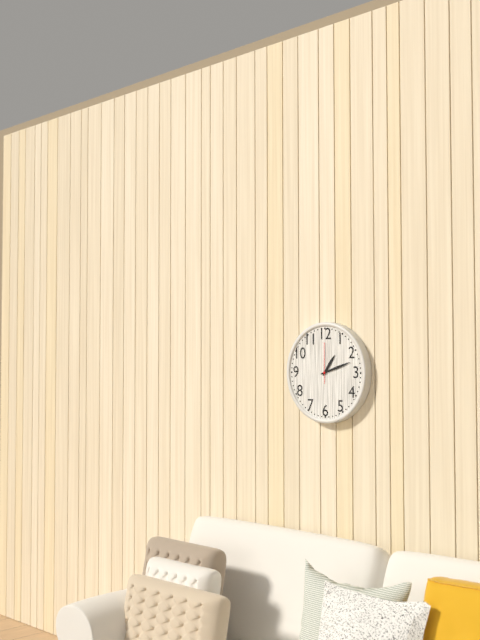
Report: 1:12
